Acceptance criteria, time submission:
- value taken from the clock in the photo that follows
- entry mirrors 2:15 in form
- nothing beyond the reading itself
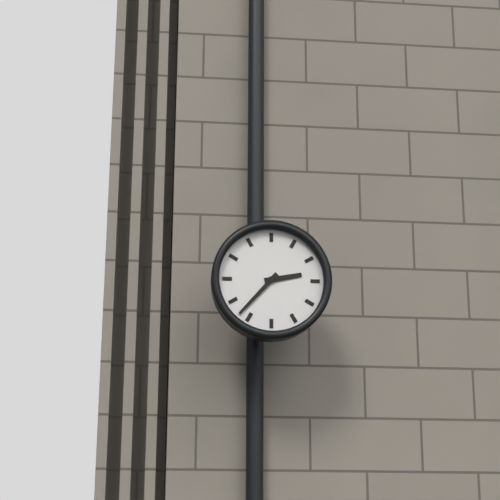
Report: 2:37
